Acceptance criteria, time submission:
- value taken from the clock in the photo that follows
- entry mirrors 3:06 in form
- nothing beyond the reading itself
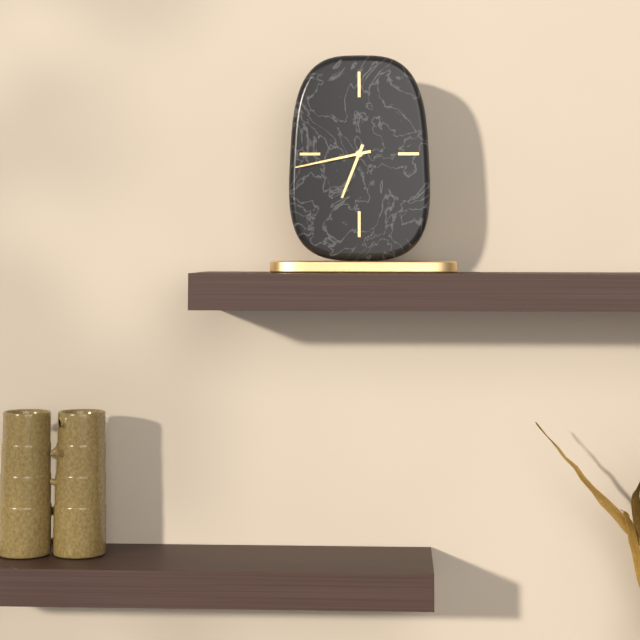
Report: 6:43
